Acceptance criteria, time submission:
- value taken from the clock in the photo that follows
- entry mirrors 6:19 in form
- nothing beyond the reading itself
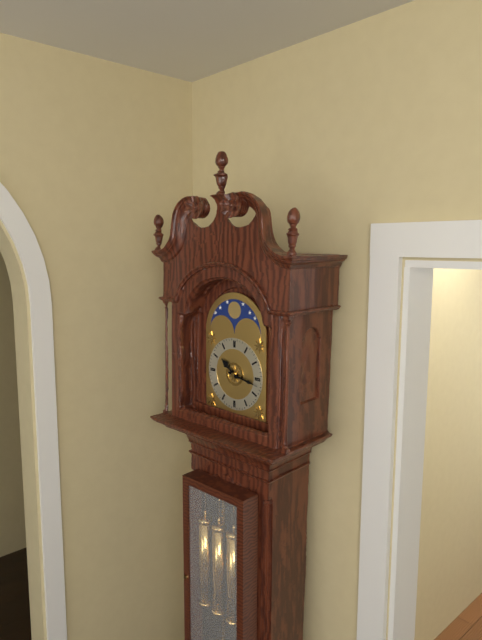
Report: 10:17
